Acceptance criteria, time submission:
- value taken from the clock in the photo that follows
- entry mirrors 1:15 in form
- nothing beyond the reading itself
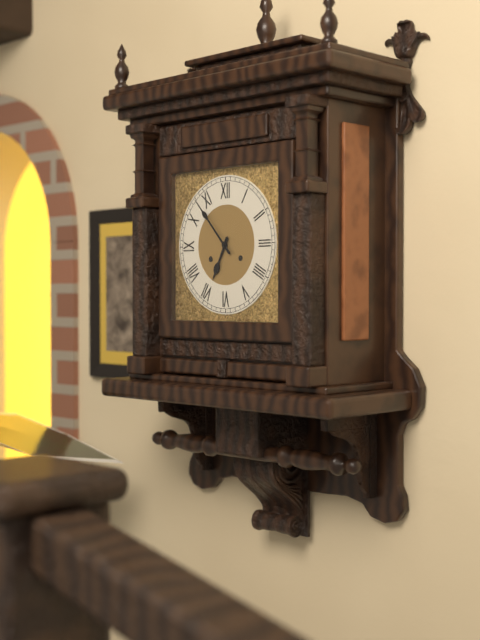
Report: 6:53
